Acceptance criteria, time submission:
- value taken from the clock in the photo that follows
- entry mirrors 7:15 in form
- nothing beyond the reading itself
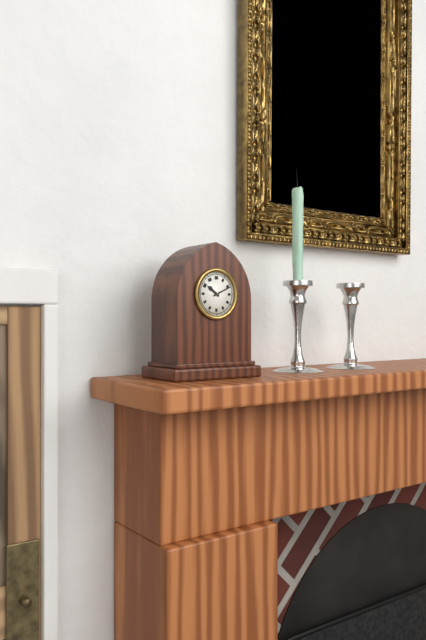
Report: 10:11
